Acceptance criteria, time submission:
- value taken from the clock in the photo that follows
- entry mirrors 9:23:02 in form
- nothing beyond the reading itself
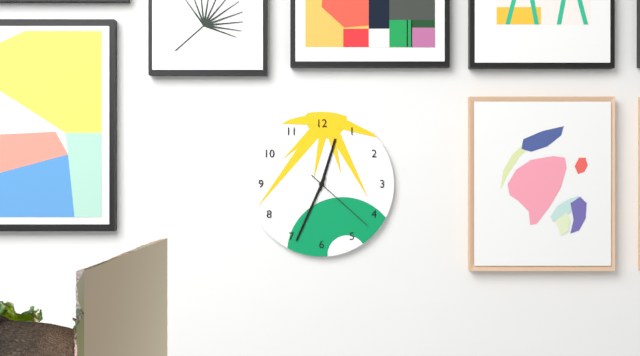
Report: 12:34:22
